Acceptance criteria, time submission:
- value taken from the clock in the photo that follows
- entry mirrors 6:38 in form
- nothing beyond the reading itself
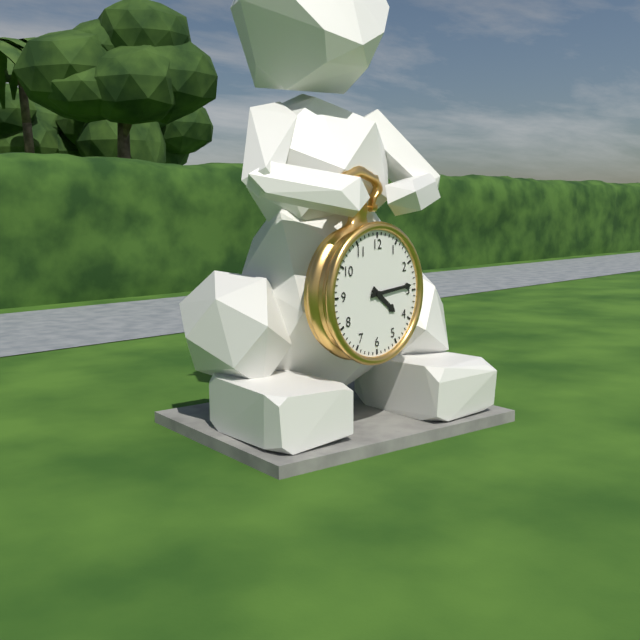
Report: 4:14
